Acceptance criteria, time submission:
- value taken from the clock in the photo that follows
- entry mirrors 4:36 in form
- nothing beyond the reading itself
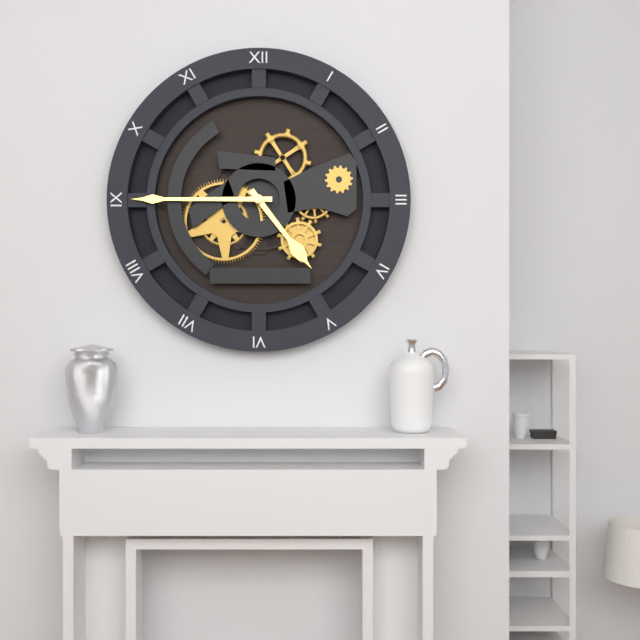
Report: 4:45
